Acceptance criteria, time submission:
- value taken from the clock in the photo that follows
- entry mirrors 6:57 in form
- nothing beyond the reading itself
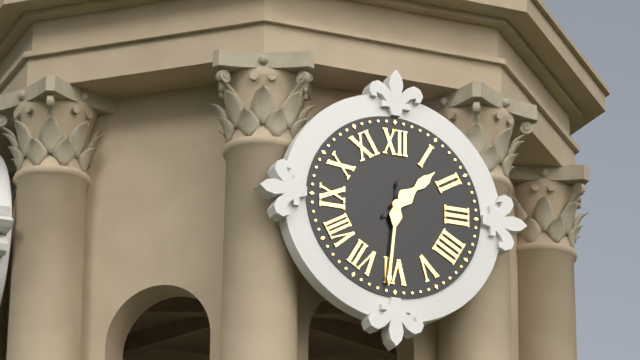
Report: 1:31
